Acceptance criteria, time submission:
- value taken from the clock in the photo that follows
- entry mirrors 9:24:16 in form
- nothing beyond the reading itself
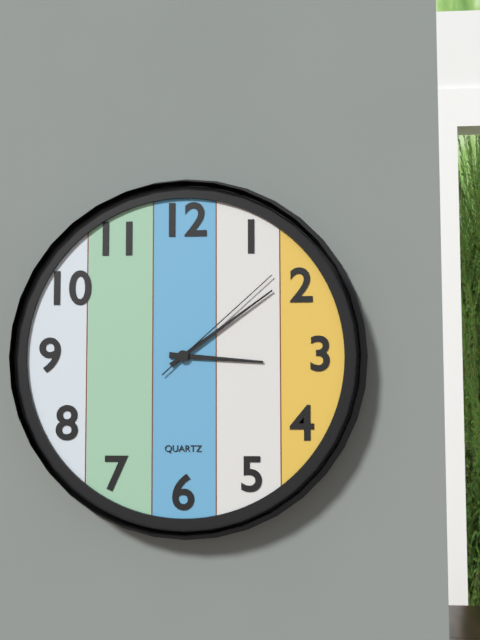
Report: 3:09:08
